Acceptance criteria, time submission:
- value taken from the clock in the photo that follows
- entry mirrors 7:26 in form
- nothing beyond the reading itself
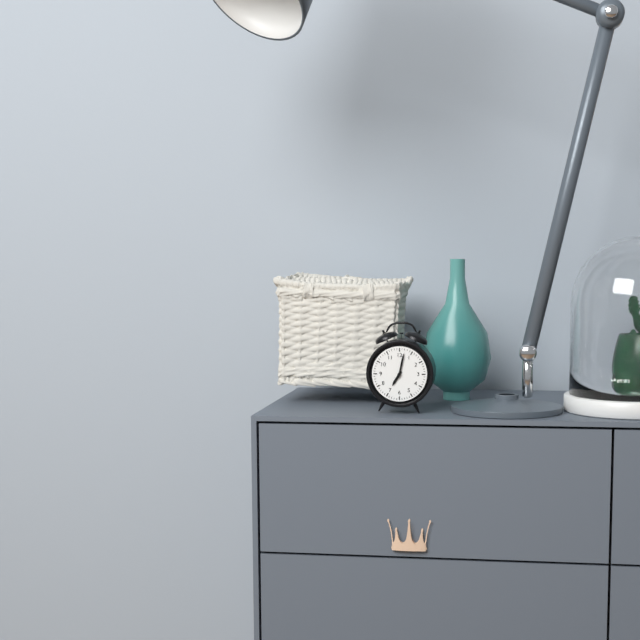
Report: 7:02
